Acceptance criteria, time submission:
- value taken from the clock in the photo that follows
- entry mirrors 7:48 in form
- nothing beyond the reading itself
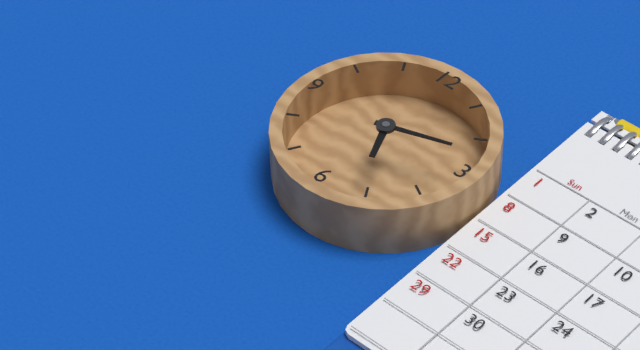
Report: 5:12
